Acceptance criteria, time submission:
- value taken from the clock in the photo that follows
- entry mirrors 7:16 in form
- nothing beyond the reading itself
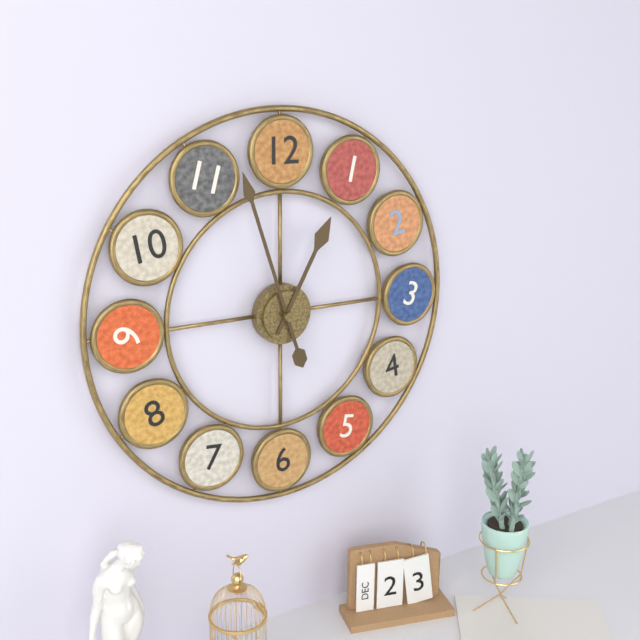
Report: 12:57
